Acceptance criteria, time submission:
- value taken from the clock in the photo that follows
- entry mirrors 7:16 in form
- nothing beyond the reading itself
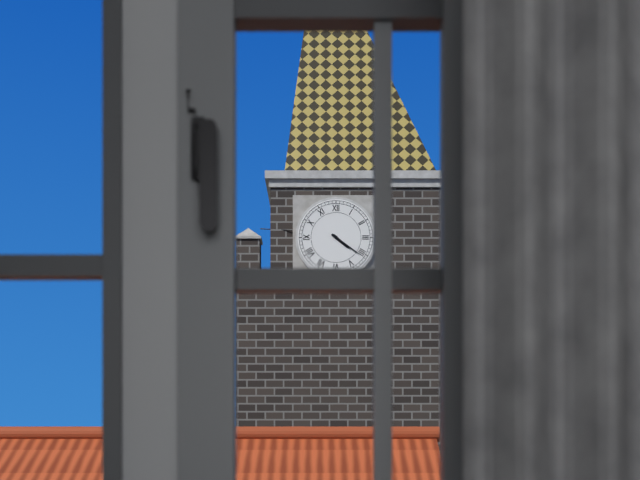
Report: 4:21
